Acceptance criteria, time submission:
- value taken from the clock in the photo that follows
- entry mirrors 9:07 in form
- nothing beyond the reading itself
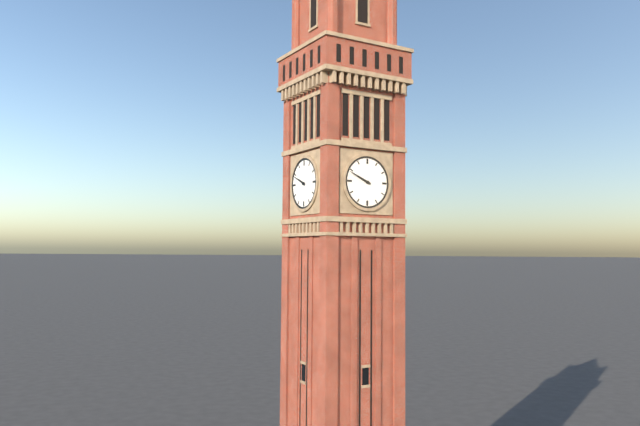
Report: 9:49
